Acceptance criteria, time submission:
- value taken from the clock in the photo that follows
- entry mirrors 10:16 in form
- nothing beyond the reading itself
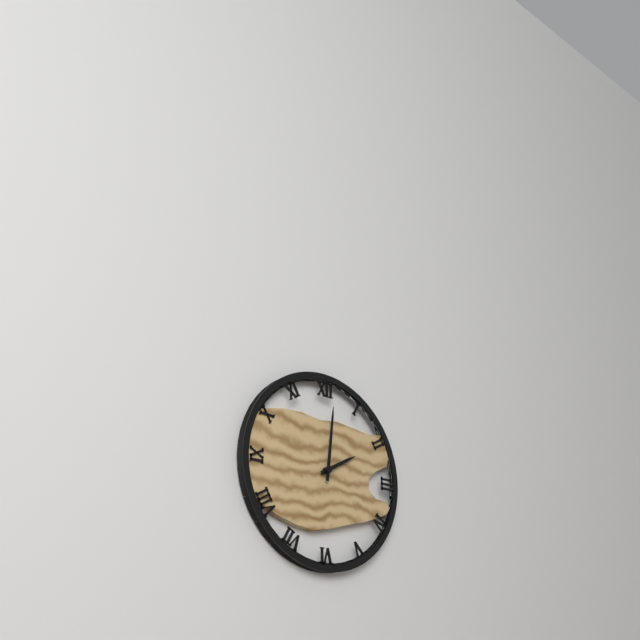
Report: 2:01
